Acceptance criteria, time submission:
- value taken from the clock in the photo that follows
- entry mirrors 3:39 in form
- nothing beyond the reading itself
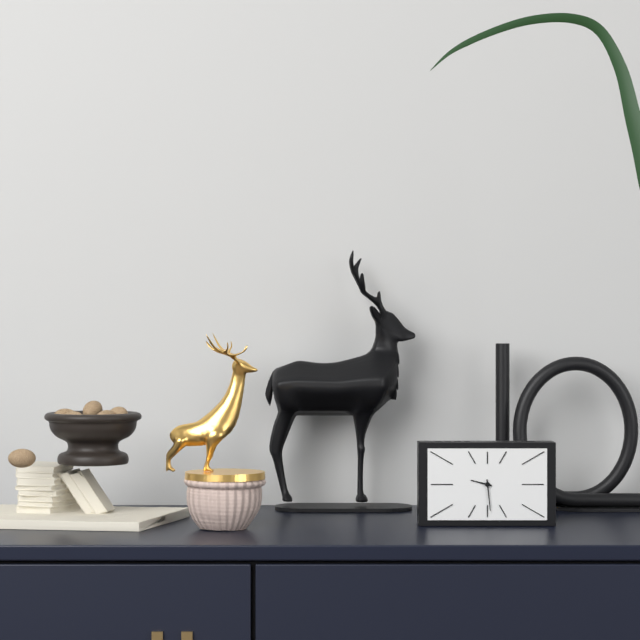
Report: 9:29
